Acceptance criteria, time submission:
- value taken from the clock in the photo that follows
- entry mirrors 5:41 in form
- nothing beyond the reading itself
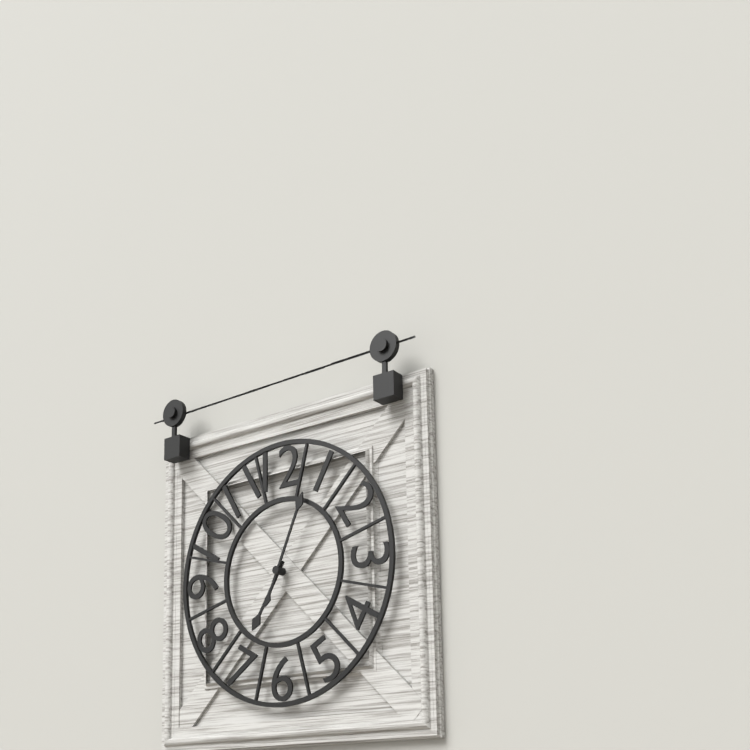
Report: 7:04
